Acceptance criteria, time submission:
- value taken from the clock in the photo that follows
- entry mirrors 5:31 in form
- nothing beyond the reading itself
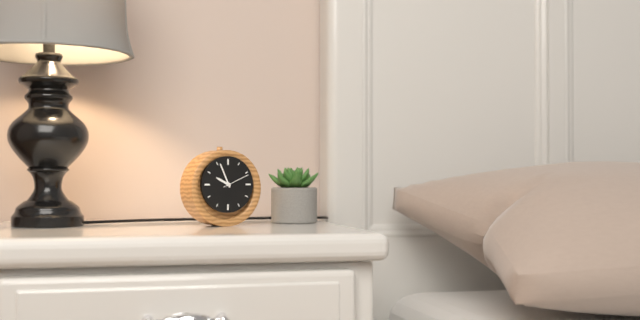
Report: 9:56
